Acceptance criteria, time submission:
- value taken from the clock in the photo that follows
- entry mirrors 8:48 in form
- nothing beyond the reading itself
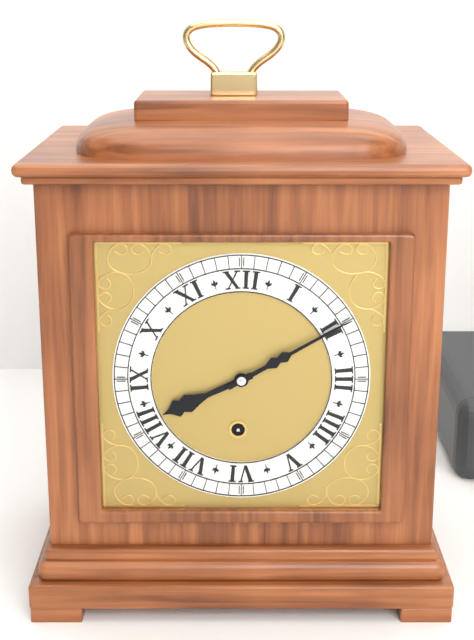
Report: 8:10
